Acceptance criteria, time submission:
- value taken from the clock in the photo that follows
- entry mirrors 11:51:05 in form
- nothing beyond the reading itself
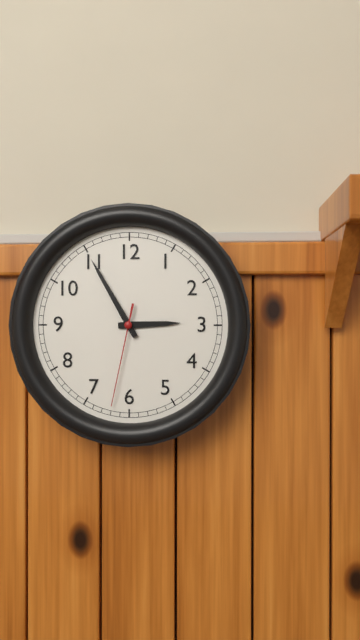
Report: 2:55:32
